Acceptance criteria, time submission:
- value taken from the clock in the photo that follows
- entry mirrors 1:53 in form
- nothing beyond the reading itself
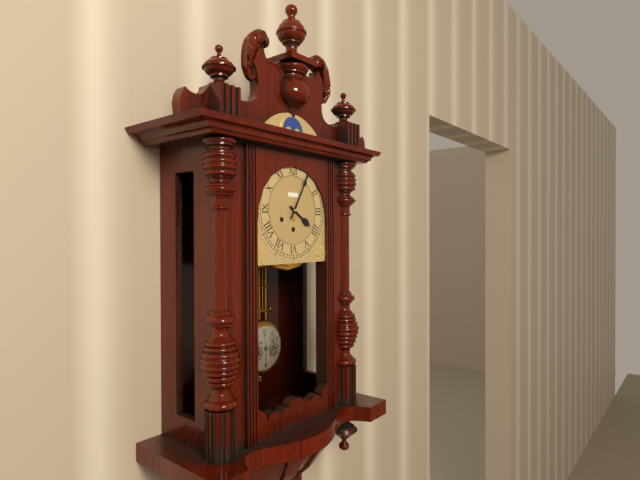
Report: 4:05
